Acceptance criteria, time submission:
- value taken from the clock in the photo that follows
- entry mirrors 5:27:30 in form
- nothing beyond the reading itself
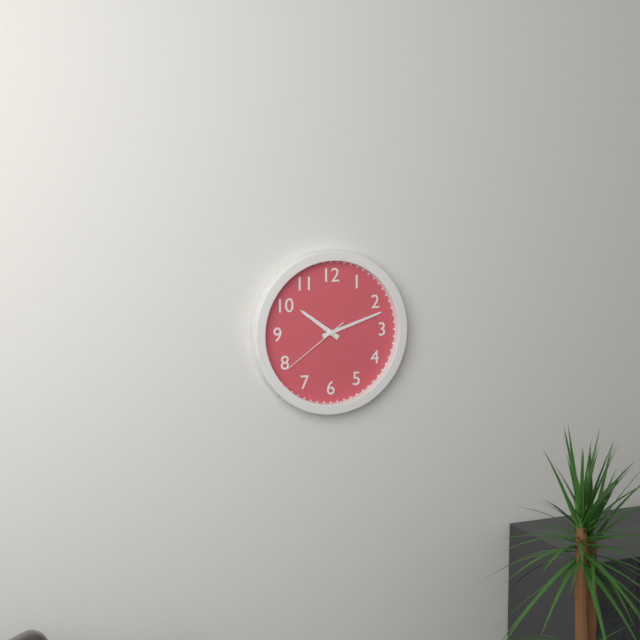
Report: 10:12:39
